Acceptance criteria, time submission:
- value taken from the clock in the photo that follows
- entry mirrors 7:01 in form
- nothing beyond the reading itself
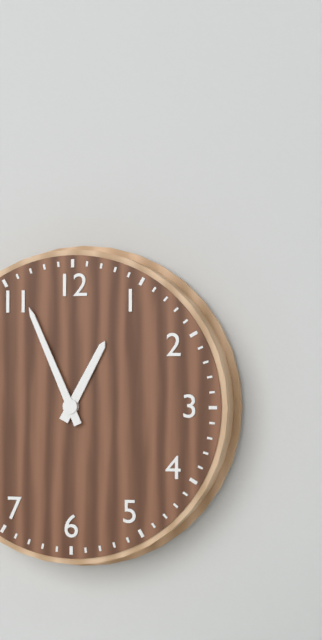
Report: 12:56
